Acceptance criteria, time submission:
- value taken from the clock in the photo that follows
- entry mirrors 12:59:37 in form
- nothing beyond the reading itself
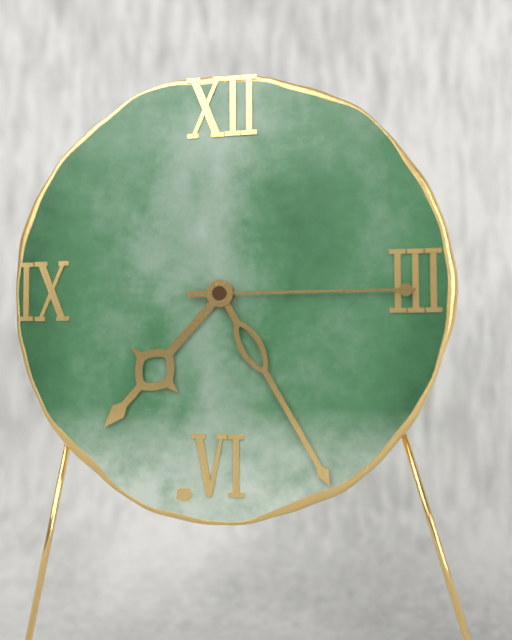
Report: 7:25:15
